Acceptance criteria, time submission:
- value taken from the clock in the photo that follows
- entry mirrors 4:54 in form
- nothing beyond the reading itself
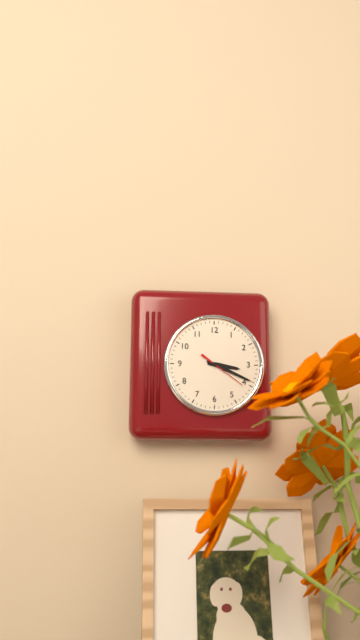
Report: 3:19
